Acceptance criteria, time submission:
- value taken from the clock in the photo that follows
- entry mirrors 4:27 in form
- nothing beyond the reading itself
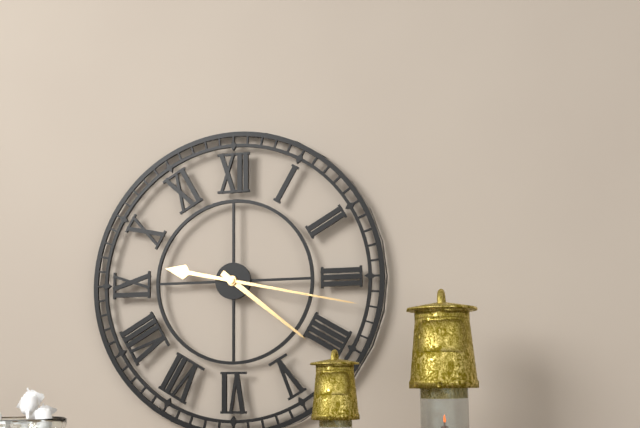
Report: 4:17
